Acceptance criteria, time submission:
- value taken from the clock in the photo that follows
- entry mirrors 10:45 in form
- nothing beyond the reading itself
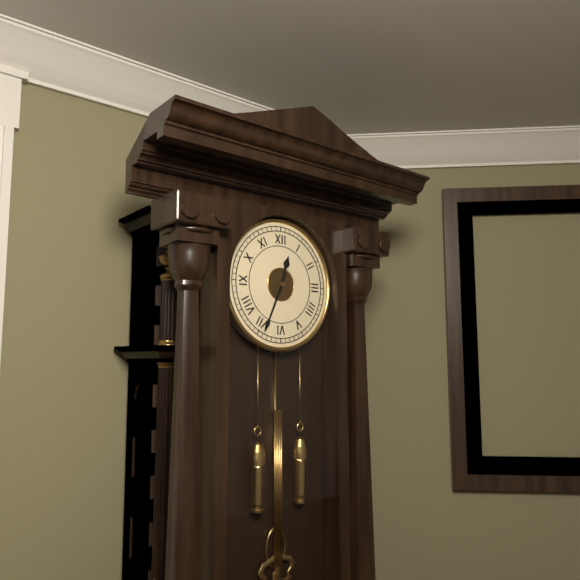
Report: 12:34
